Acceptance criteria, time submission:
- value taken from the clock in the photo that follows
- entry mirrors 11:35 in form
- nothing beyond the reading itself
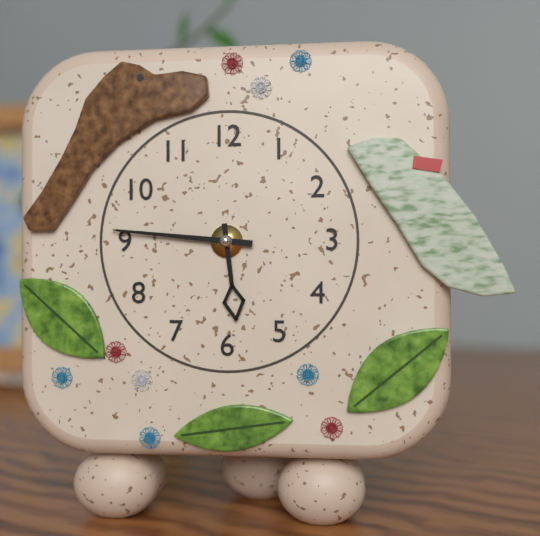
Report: 5:46
